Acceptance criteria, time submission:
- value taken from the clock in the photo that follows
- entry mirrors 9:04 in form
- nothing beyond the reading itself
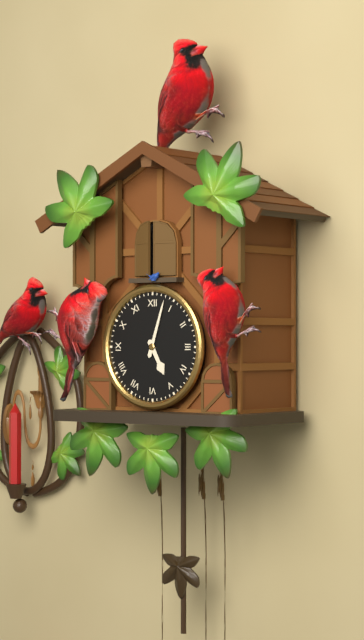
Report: 5:03
